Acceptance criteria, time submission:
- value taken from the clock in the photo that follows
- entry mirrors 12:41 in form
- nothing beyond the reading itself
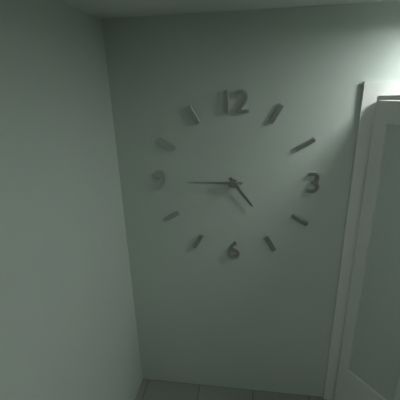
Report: 4:45
